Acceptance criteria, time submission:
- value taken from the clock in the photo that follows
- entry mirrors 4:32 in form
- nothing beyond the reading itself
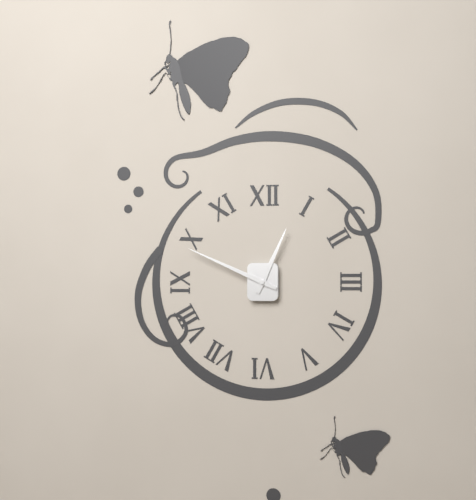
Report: 12:49
